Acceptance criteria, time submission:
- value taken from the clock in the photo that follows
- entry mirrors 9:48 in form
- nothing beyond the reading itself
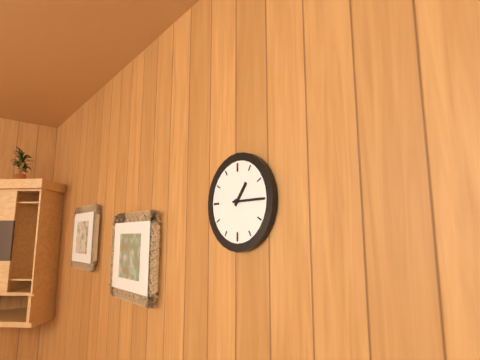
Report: 1:15
